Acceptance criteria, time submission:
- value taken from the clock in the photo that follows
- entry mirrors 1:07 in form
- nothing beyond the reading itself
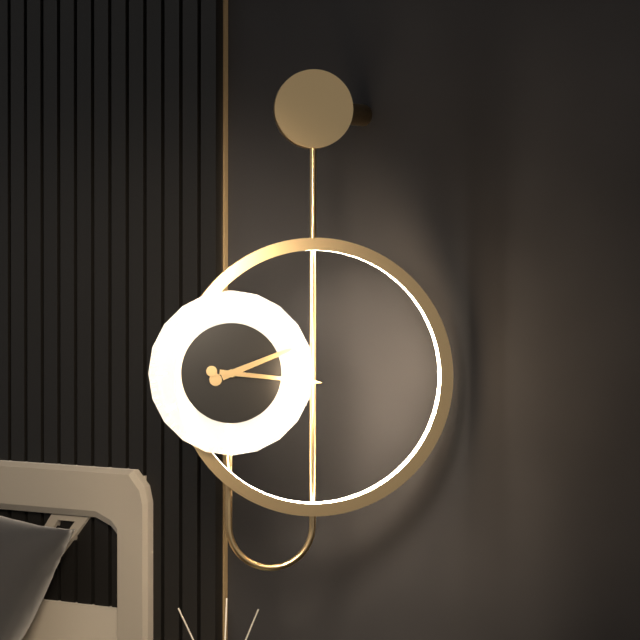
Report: 2:16
